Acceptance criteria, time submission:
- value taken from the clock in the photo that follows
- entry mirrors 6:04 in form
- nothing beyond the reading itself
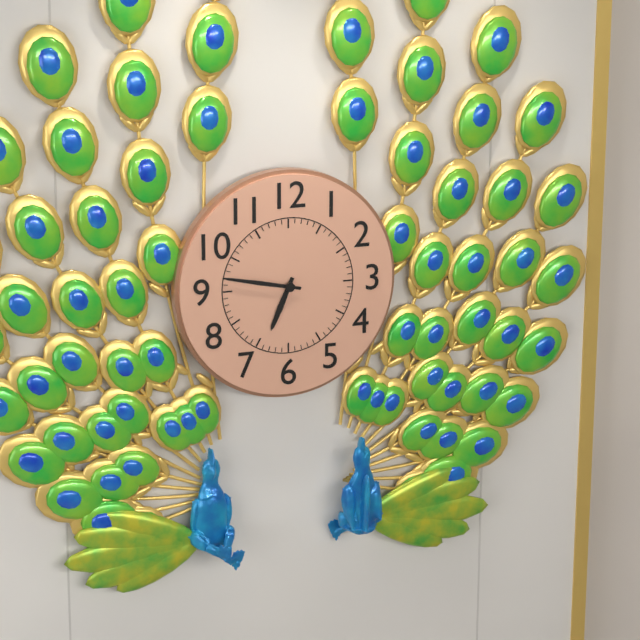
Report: 6:47
